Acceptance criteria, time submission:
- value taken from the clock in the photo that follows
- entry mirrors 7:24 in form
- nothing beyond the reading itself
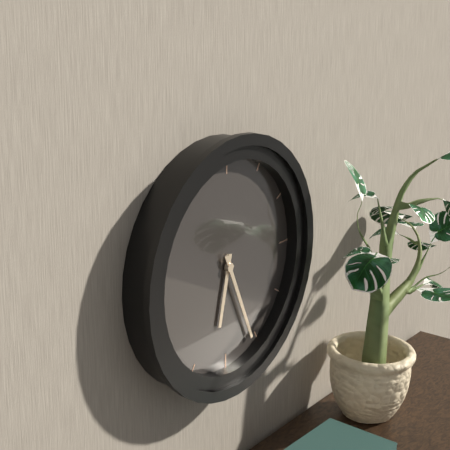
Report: 6:26
